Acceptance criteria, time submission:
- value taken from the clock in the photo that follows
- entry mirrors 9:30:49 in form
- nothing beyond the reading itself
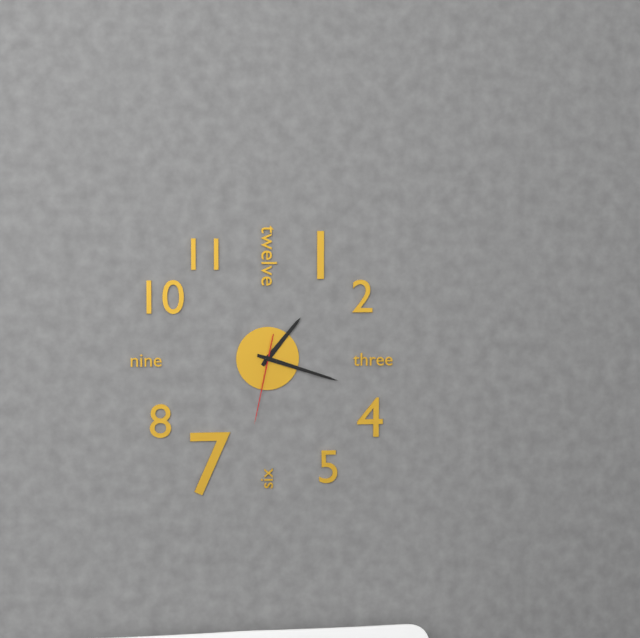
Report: 1:18:32
